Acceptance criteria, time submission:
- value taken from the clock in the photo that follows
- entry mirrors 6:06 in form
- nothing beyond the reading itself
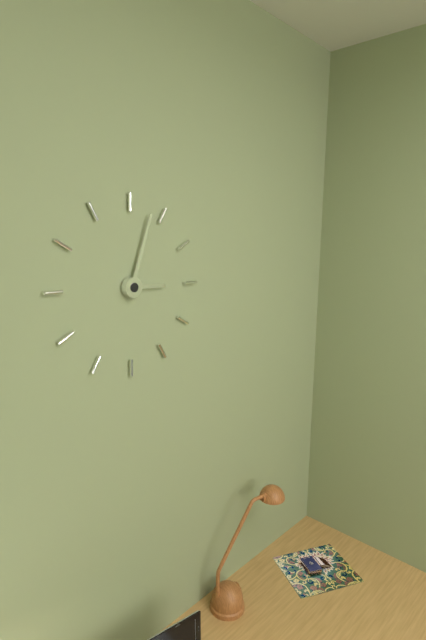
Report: 3:03
